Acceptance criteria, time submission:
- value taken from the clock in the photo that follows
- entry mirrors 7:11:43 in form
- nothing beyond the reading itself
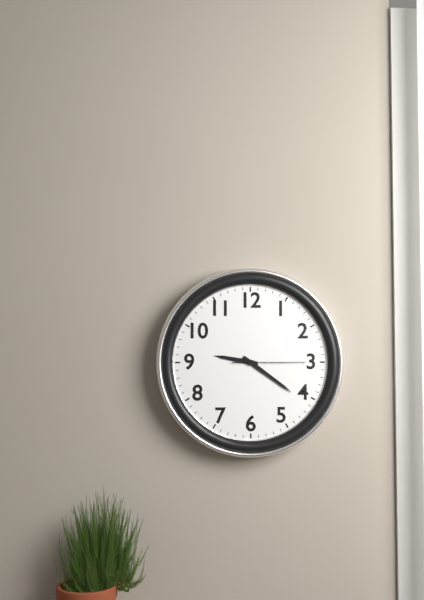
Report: 9:21:15
